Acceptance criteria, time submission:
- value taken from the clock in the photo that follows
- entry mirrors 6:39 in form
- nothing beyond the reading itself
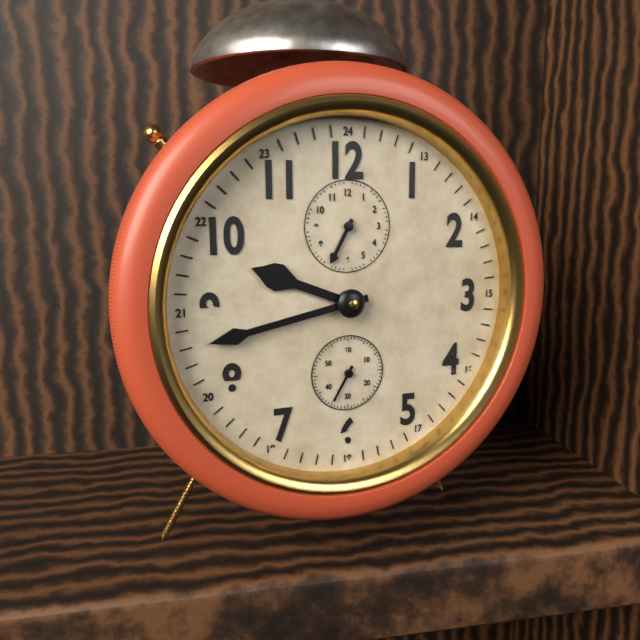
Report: 9:43
